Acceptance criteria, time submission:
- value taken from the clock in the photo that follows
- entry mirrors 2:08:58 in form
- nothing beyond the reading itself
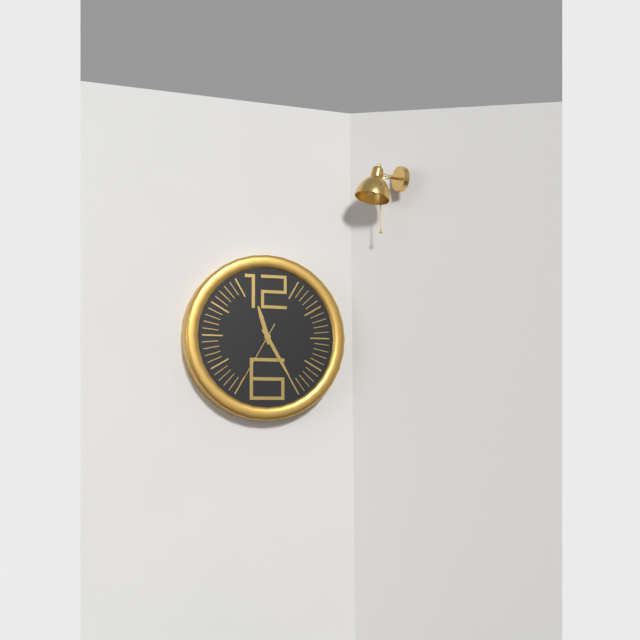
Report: 11:25:35
